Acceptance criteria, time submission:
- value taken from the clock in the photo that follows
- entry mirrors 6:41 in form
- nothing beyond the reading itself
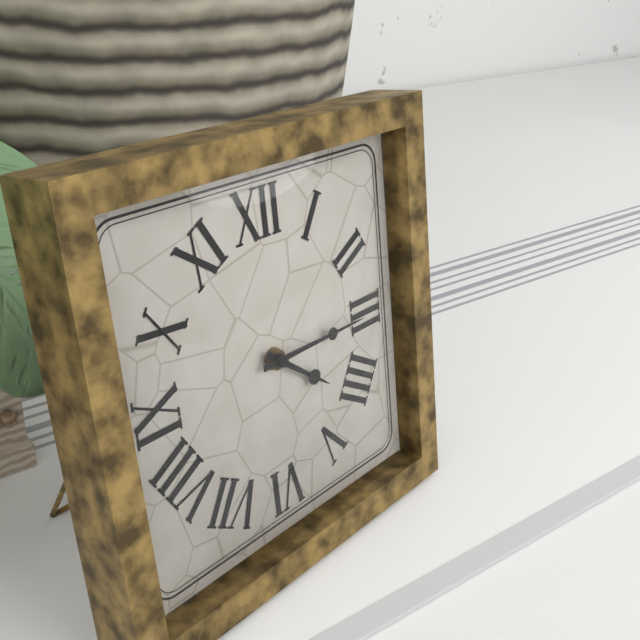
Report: 4:15
